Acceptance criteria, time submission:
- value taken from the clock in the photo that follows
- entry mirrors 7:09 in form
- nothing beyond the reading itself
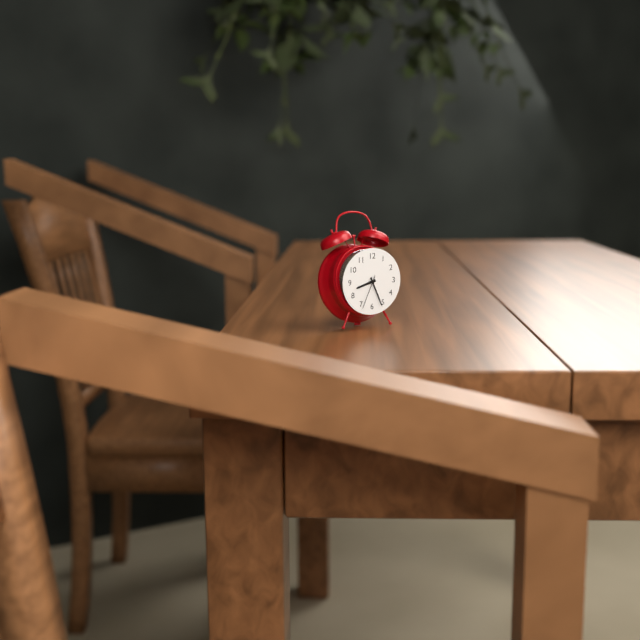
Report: 8:26
